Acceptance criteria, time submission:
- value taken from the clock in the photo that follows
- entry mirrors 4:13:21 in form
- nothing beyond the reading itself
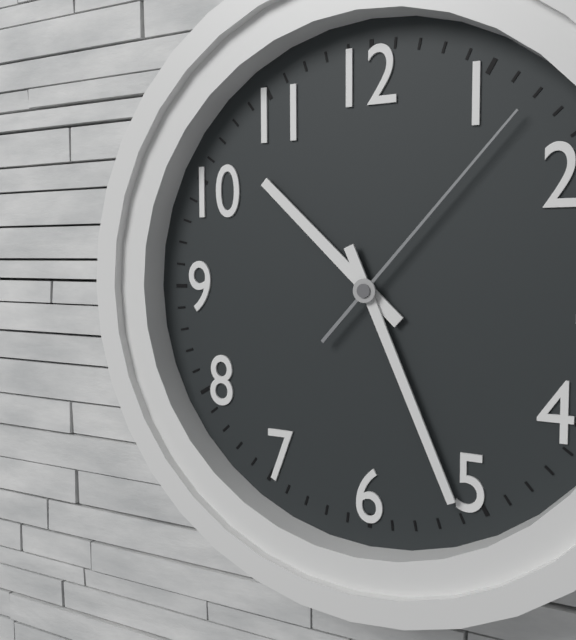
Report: 10:26:07
